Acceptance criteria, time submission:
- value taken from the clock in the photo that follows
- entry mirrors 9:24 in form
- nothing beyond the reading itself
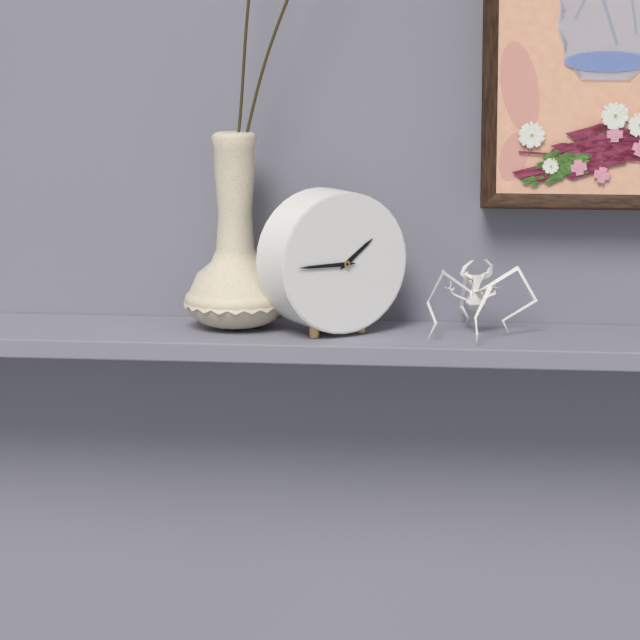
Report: 1:45
